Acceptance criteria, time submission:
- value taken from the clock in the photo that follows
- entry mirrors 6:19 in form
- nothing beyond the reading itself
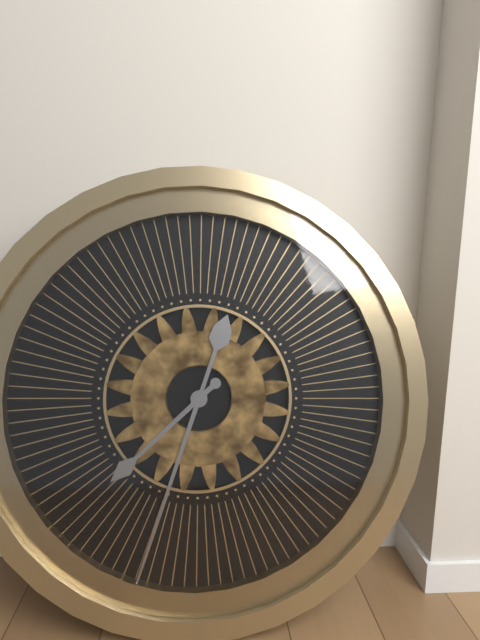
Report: 7:33
